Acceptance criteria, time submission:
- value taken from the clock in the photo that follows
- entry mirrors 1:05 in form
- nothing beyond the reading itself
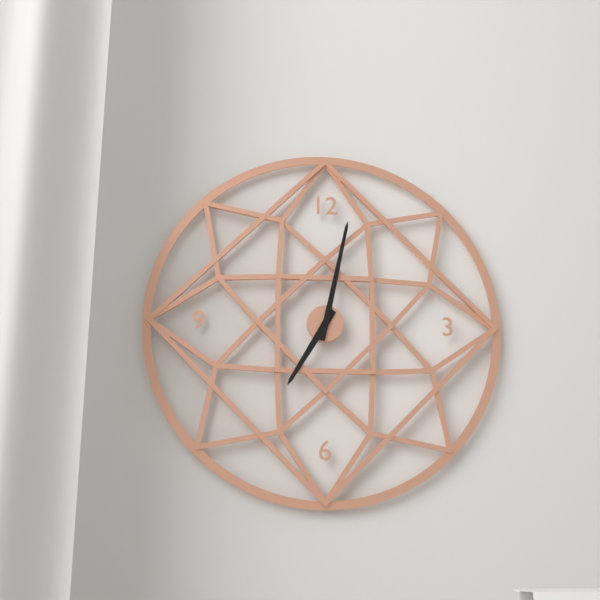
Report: 7:02
